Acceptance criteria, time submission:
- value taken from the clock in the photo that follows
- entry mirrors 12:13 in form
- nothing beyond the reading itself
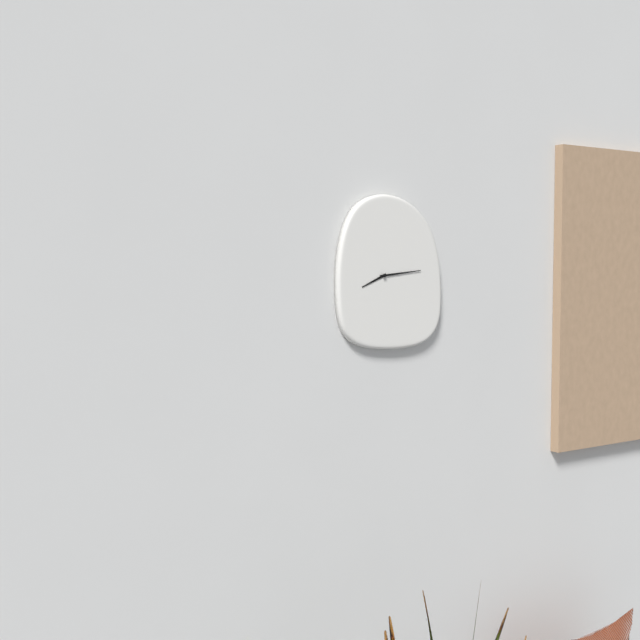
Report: 8:14
